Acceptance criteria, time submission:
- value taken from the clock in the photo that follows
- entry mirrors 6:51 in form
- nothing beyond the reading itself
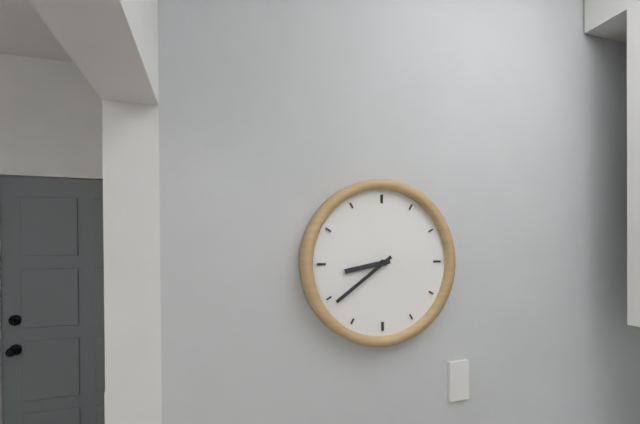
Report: 8:39
